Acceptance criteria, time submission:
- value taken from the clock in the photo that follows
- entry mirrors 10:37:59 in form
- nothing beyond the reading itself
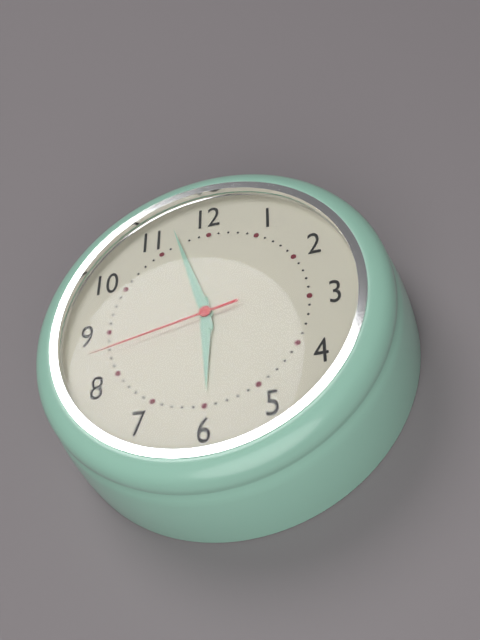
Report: 5:57:43
